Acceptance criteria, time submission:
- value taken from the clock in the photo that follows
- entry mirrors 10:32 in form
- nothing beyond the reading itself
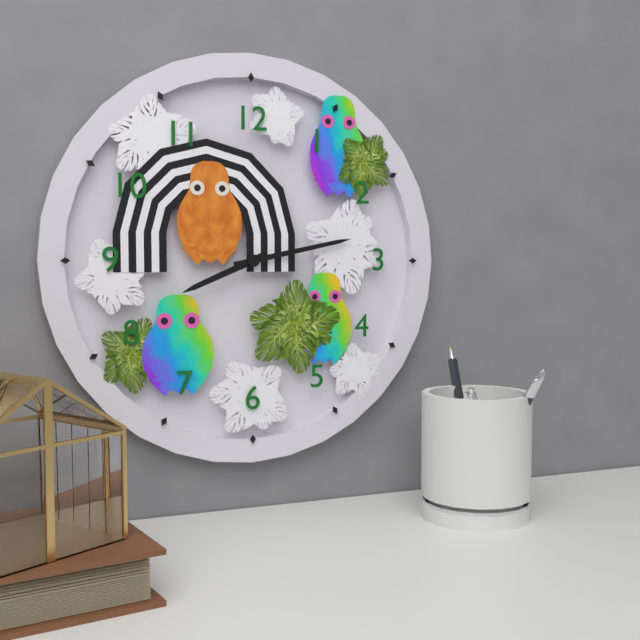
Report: 8:13
